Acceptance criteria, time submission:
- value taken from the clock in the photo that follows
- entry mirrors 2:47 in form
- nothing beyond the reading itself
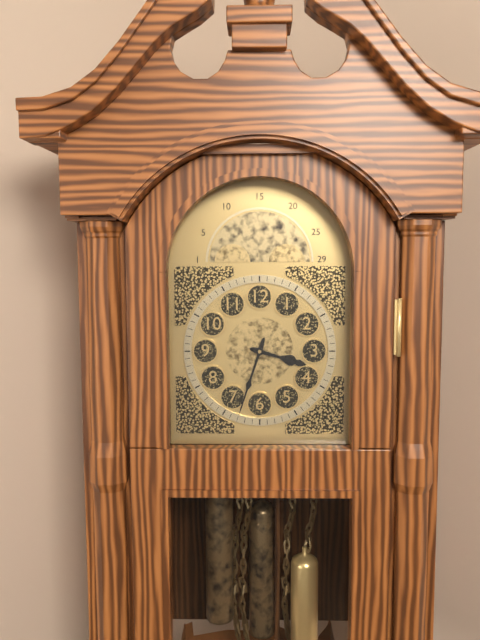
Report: 3:33
